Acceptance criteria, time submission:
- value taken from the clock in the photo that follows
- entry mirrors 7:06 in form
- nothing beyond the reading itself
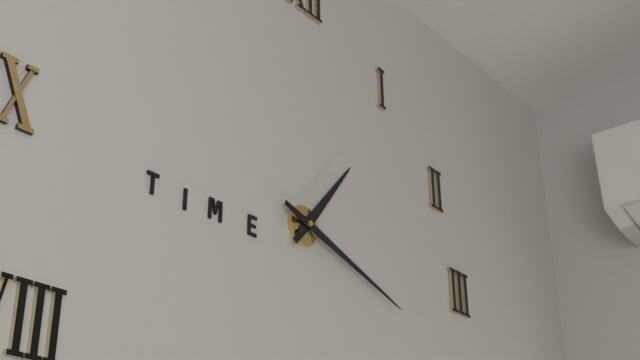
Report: 1:18
